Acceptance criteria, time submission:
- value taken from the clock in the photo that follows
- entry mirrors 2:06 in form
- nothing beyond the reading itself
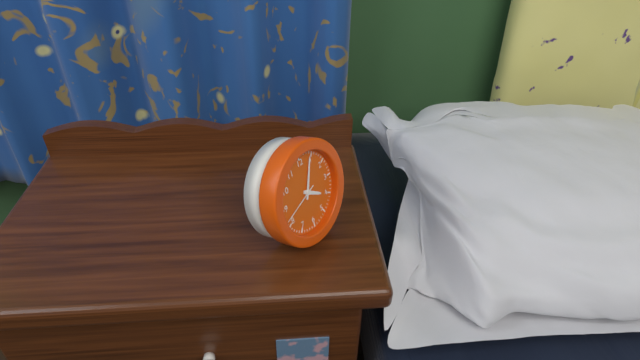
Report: 4:04
